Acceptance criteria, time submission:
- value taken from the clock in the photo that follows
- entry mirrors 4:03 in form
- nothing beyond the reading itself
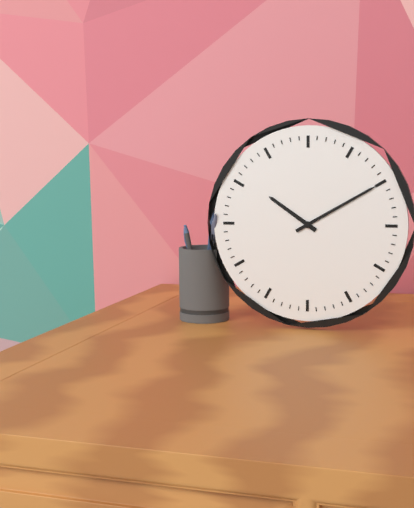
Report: 10:10
